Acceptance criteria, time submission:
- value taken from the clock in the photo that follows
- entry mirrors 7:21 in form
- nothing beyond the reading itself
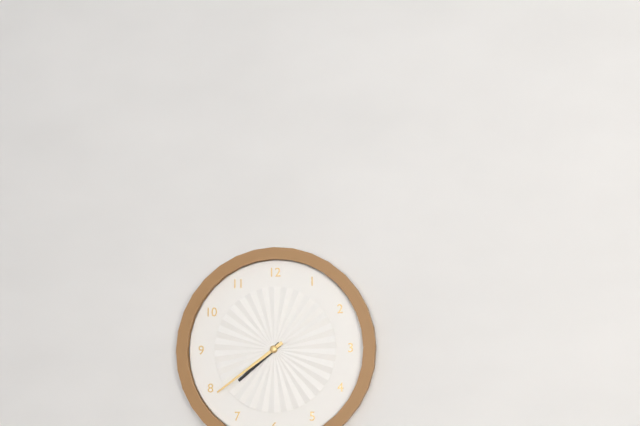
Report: 7:39
